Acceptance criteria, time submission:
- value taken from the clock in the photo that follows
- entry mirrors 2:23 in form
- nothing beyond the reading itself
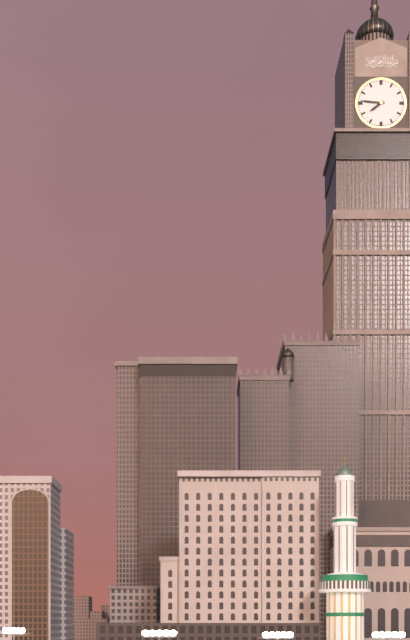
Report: 7:46
